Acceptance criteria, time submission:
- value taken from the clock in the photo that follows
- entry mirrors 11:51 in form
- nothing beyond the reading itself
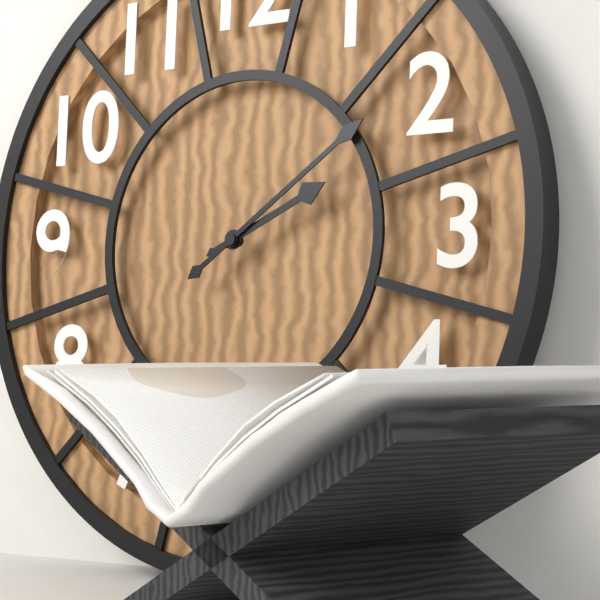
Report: 2:09
